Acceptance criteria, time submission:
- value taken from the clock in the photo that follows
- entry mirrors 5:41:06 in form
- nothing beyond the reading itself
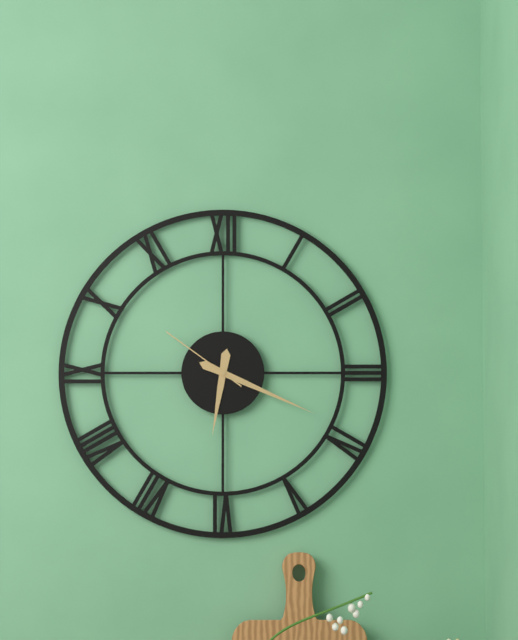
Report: 6:19:51
